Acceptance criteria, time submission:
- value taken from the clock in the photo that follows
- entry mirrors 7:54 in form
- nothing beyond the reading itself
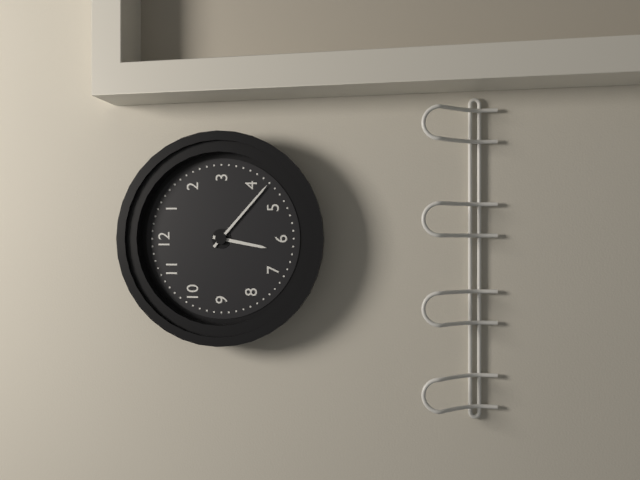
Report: 6:22
